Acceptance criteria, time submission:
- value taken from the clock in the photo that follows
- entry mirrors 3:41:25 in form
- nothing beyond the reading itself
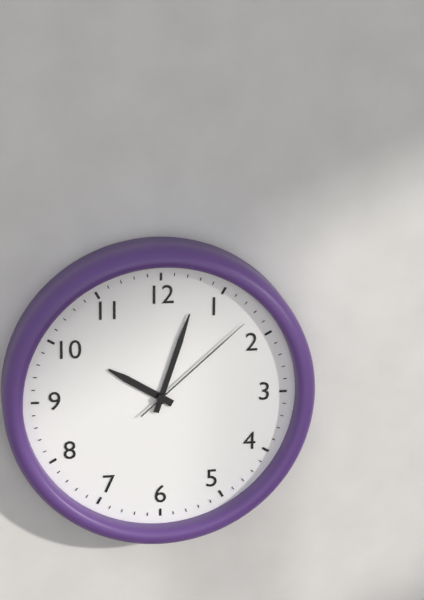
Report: 10:03:08
